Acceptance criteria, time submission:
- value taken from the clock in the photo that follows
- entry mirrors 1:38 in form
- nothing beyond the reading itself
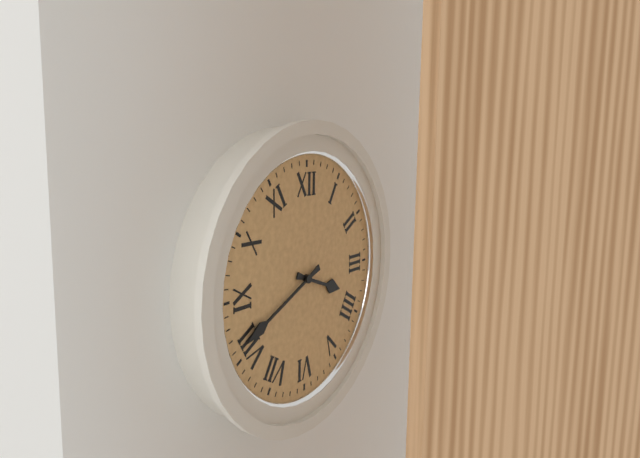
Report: 3:41
